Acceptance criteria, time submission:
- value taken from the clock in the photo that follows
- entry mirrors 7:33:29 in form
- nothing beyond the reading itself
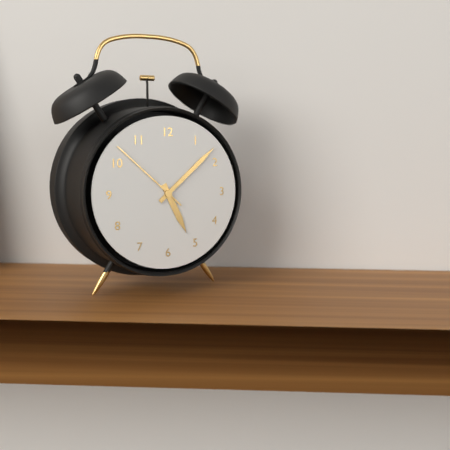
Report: 5:08:52
